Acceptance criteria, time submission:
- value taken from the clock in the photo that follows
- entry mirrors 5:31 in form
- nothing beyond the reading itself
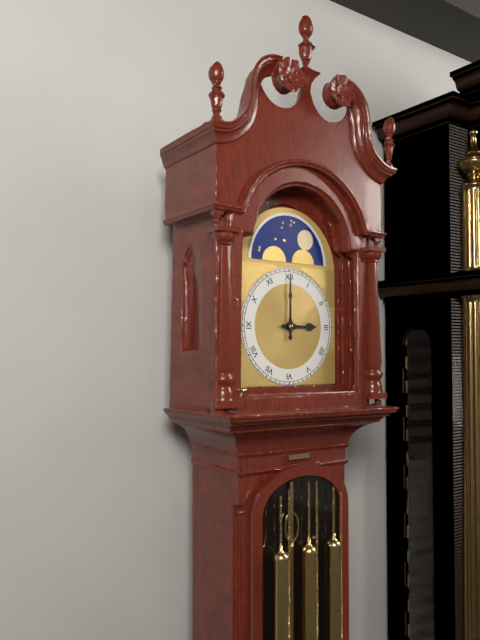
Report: 3:00
